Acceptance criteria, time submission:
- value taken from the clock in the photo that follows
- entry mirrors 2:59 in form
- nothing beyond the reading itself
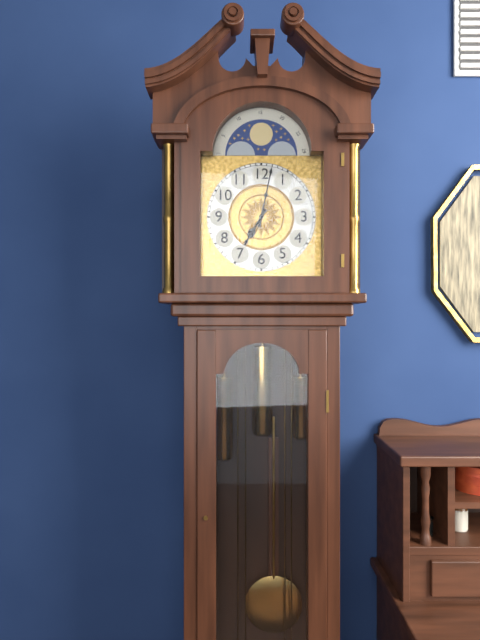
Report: 7:02
